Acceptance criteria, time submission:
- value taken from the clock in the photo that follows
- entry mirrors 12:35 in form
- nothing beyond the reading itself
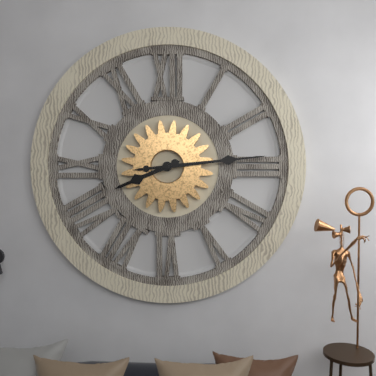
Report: 8:14
